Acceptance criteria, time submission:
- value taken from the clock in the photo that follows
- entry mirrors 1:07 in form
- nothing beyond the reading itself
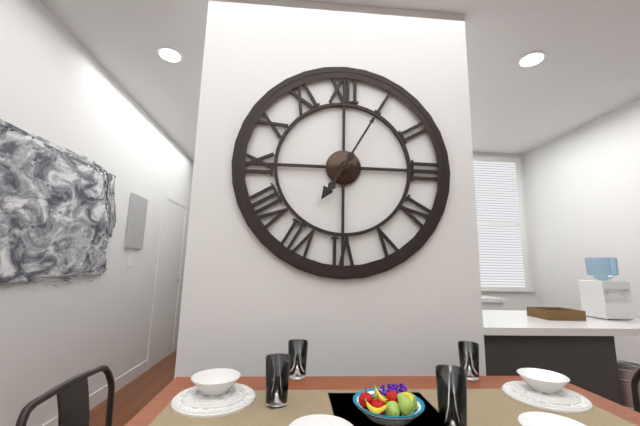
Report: 7:05
